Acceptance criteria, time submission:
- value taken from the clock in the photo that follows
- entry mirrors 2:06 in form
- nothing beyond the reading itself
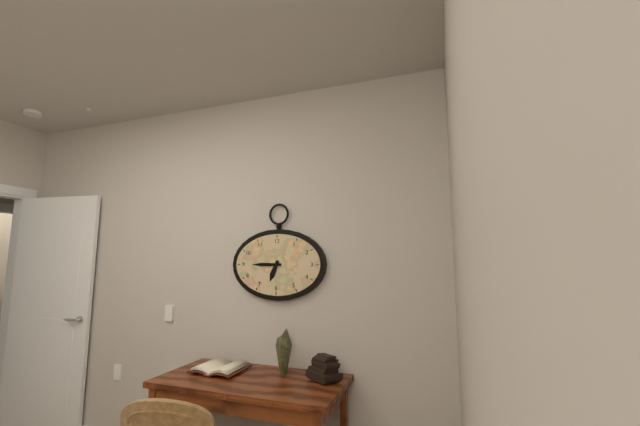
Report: 6:45
